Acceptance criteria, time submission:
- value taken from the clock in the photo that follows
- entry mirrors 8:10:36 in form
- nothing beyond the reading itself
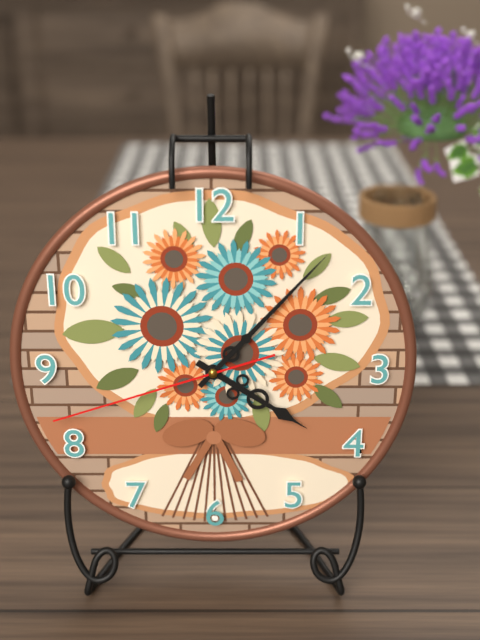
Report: 4:07:42
